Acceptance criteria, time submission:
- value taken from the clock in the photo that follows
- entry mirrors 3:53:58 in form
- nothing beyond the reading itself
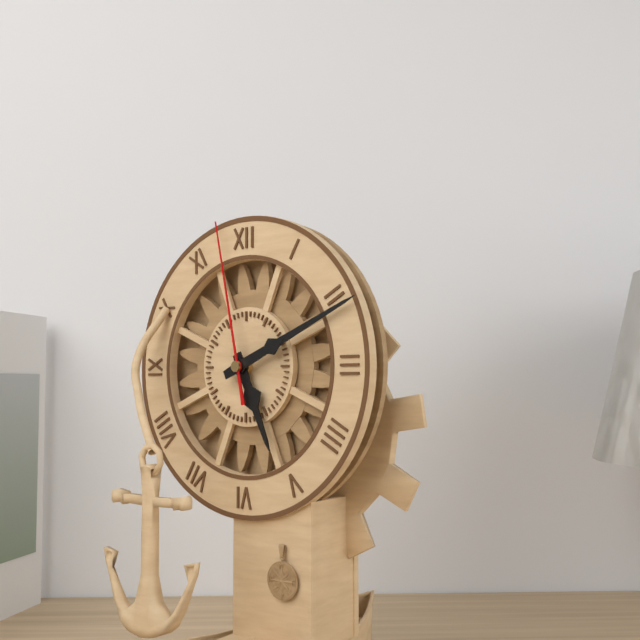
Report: 5:11:58
